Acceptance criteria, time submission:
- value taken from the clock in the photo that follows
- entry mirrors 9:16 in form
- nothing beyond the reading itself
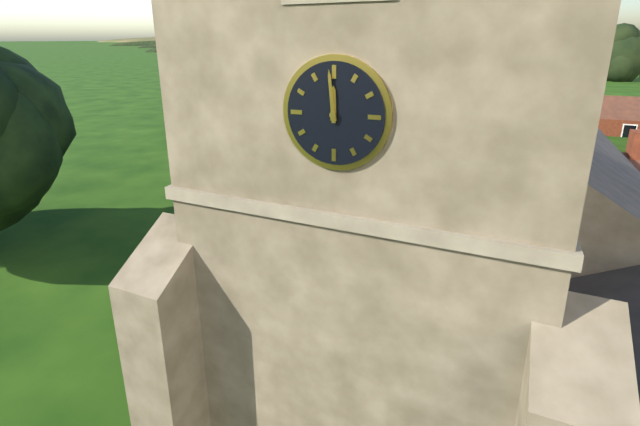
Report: 11:59
